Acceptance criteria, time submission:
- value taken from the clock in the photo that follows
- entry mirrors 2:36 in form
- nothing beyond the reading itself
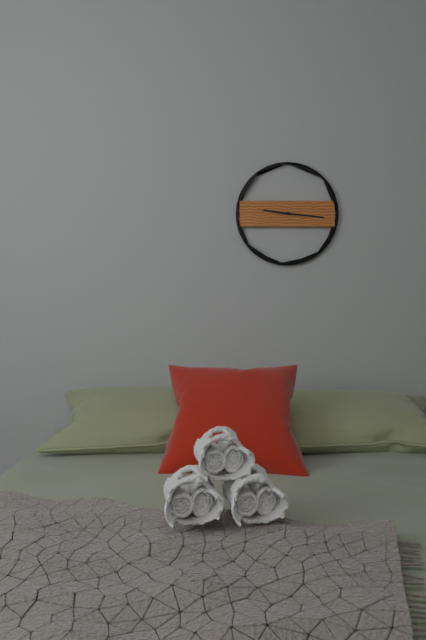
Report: 9:16
